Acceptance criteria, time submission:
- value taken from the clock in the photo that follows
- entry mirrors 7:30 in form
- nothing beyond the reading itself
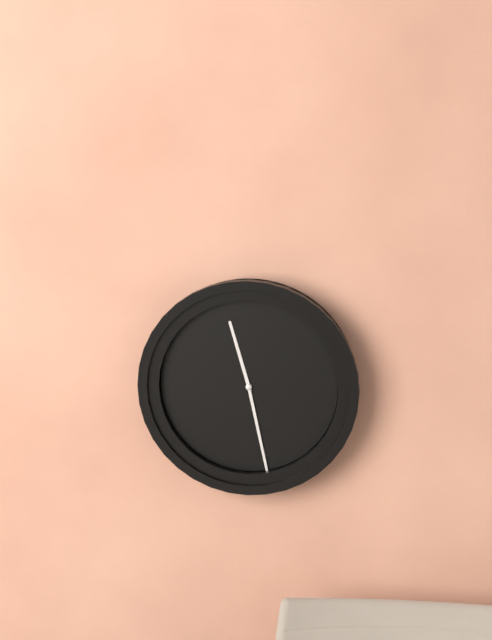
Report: 11:28
